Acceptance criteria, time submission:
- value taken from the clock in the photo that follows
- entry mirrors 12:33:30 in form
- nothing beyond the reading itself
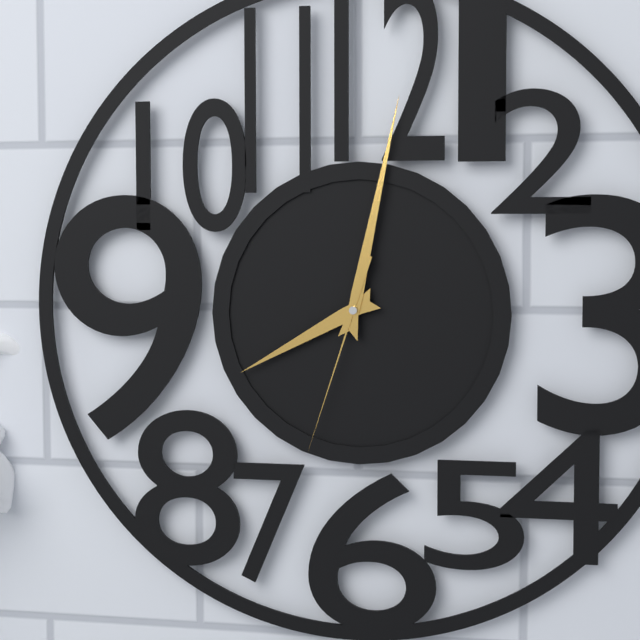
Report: 8:02:33
